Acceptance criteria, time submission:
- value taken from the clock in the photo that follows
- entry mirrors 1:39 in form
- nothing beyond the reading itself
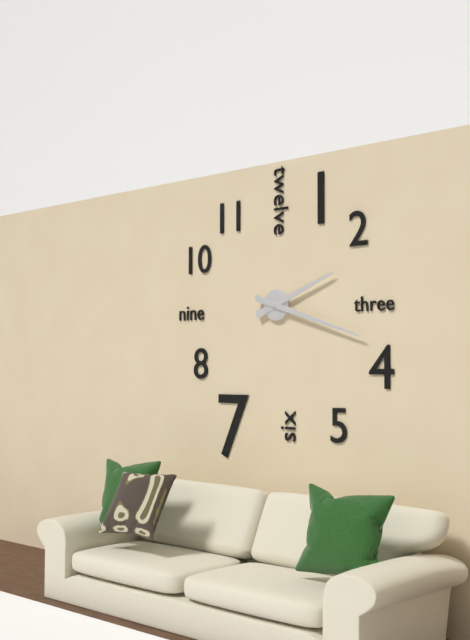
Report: 2:18
